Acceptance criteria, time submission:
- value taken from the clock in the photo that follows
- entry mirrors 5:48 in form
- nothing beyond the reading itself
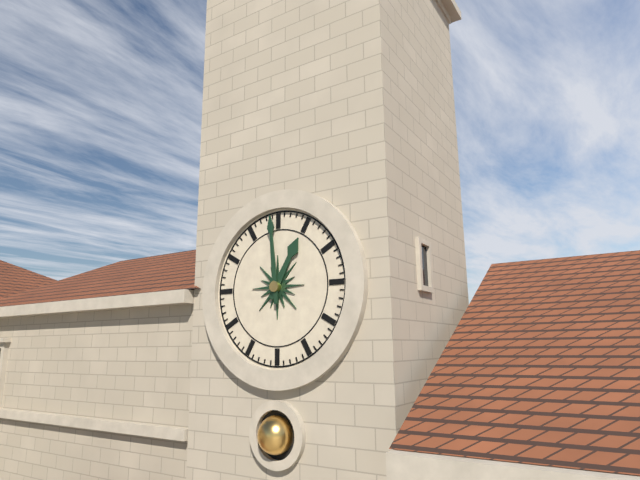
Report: 12:59
